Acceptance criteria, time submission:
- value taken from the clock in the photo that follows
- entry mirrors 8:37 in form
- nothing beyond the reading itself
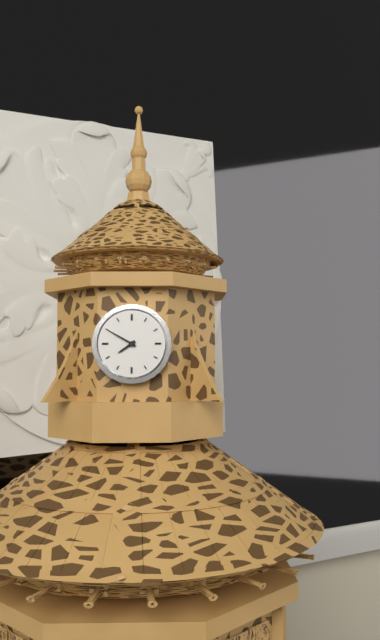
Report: 7:50
